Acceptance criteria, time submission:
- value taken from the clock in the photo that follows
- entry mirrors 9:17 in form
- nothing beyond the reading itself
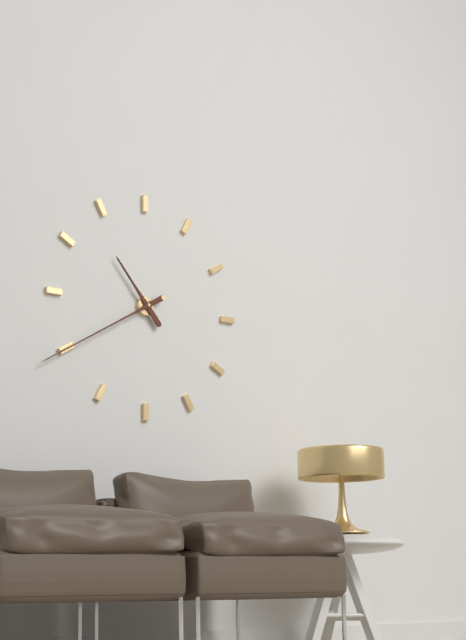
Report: 10:40
